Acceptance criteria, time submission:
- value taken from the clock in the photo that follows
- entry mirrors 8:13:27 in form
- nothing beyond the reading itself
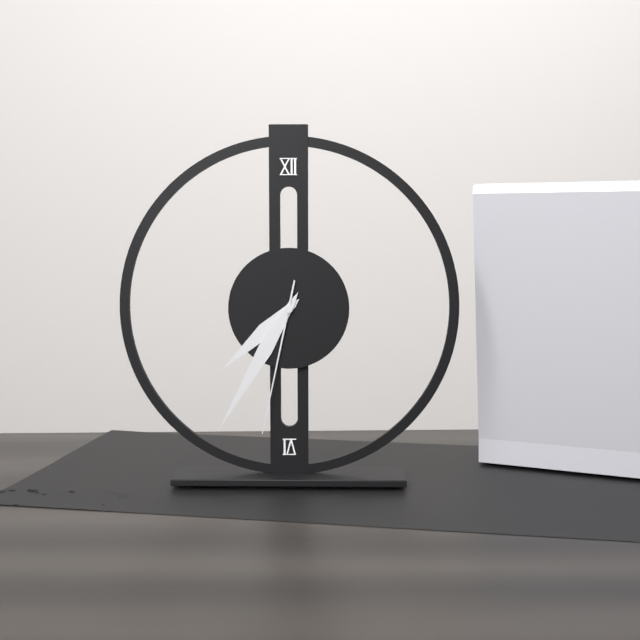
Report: 7:35:32
